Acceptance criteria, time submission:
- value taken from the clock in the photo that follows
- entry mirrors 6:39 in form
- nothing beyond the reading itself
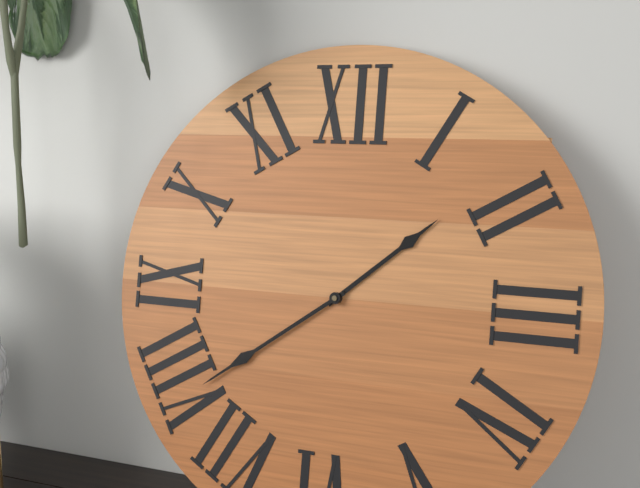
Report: 1:39
